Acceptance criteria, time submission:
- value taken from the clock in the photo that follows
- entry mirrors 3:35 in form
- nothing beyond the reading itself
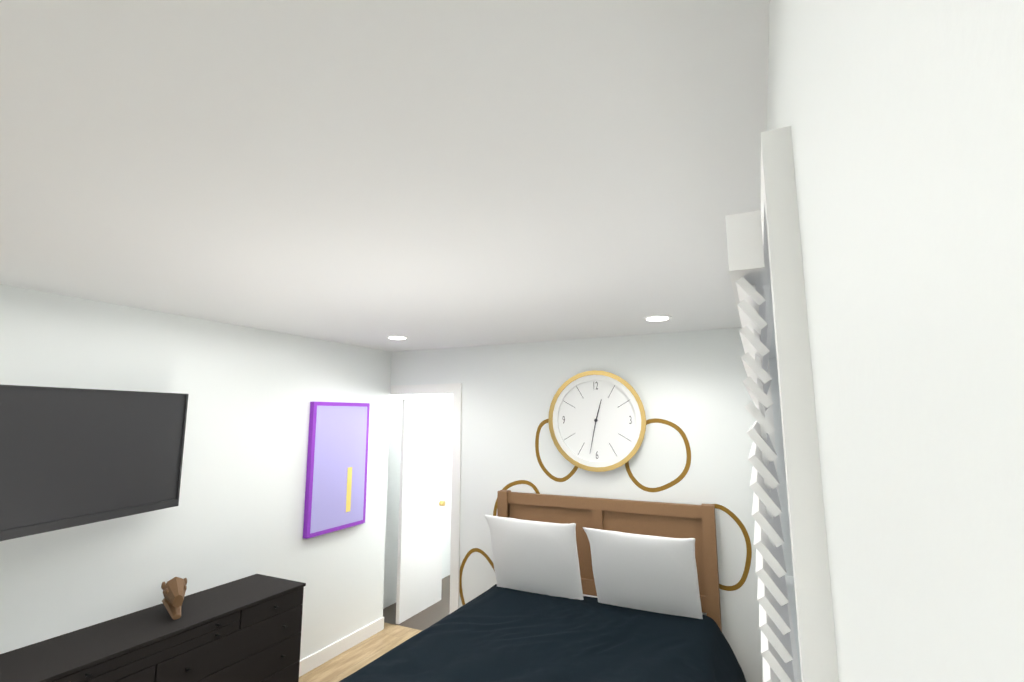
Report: 12:32
